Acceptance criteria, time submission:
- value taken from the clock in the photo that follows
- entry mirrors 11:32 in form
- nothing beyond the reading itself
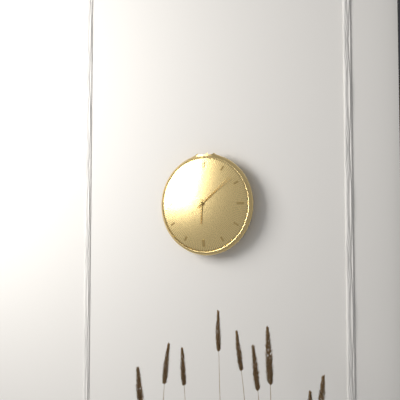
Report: 6:08
